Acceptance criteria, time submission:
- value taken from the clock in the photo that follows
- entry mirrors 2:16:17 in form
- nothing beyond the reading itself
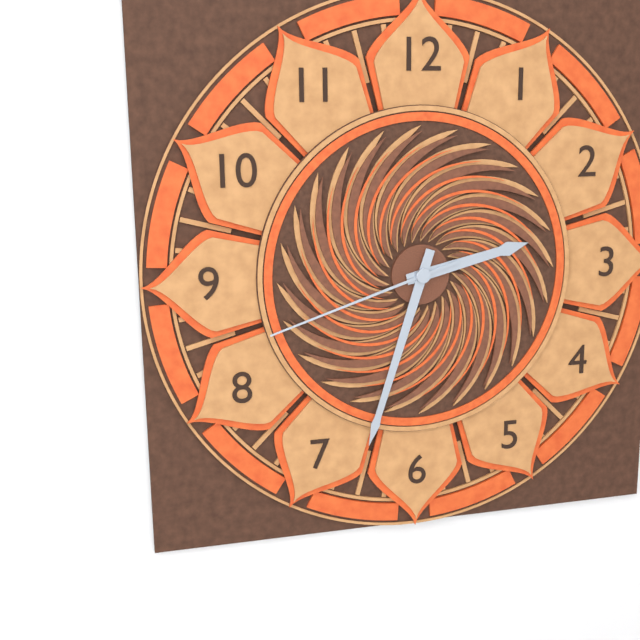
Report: 2:33:42
